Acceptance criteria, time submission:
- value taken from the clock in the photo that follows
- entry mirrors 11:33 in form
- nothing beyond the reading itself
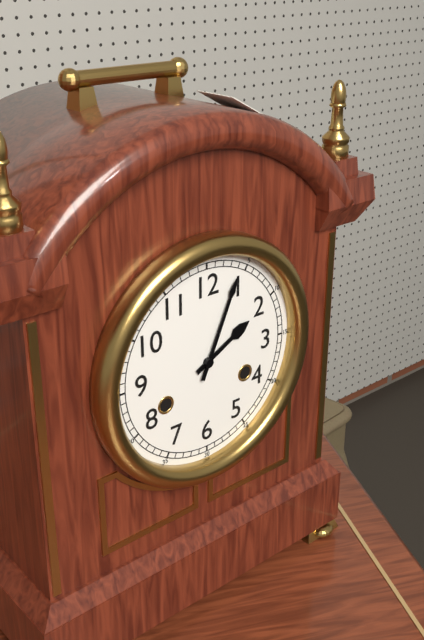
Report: 2:04
